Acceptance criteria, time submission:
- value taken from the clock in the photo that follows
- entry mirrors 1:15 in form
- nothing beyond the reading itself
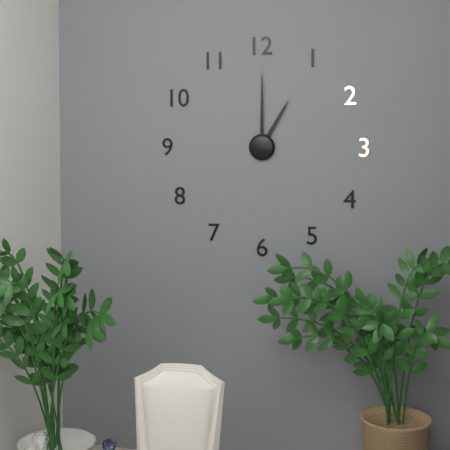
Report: 1:00
